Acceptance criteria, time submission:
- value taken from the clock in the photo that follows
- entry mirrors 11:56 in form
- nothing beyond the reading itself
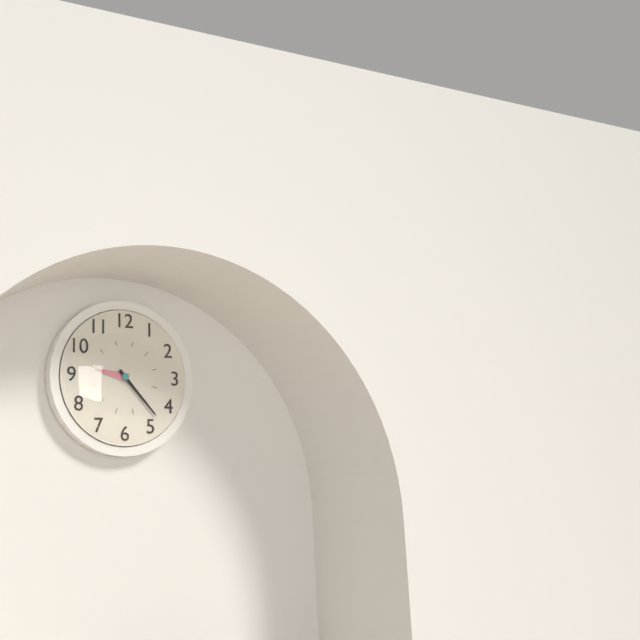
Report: 9:23
